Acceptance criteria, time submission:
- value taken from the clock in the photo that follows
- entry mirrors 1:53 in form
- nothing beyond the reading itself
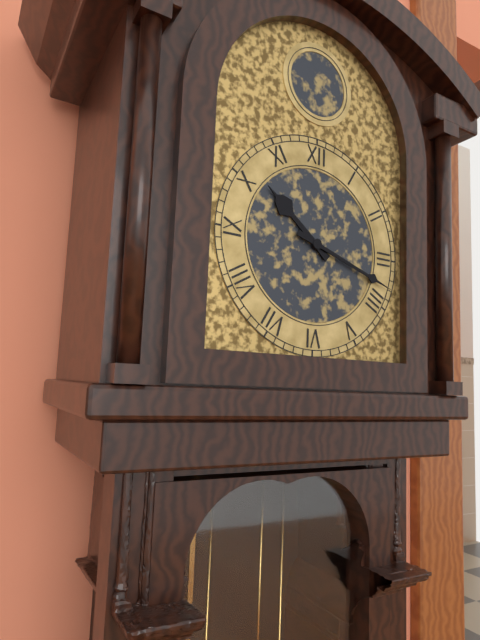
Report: 10:18
